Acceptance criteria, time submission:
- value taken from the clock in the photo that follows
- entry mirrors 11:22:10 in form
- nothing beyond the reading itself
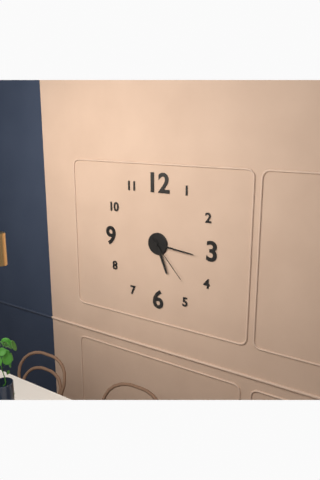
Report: 5:16:23
